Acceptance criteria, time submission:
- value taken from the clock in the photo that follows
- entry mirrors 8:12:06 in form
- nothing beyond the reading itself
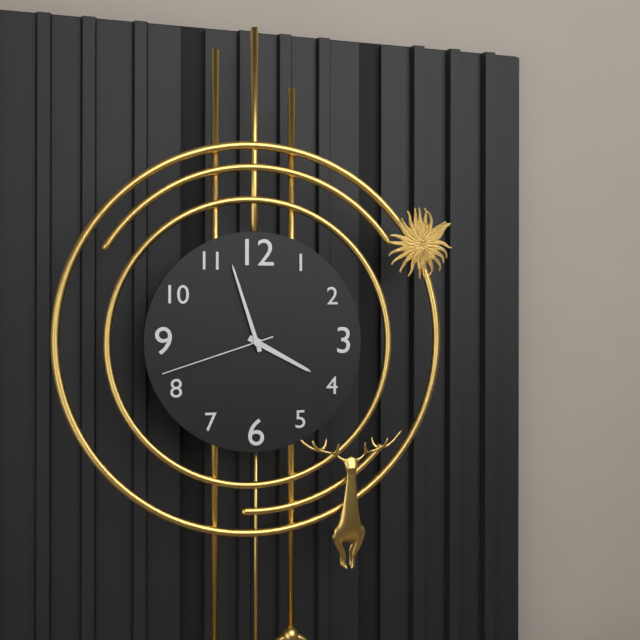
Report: 3:57:42
